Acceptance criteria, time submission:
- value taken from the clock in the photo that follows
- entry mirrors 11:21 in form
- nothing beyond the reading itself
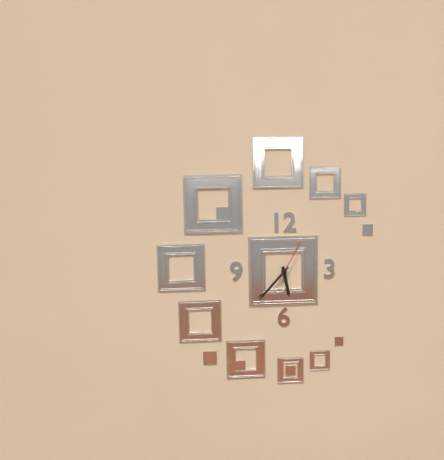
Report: 5:37
